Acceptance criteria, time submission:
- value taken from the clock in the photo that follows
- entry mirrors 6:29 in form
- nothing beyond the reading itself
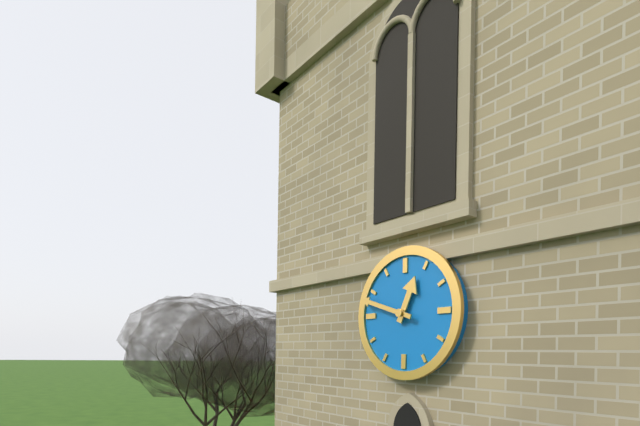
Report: 12:48
